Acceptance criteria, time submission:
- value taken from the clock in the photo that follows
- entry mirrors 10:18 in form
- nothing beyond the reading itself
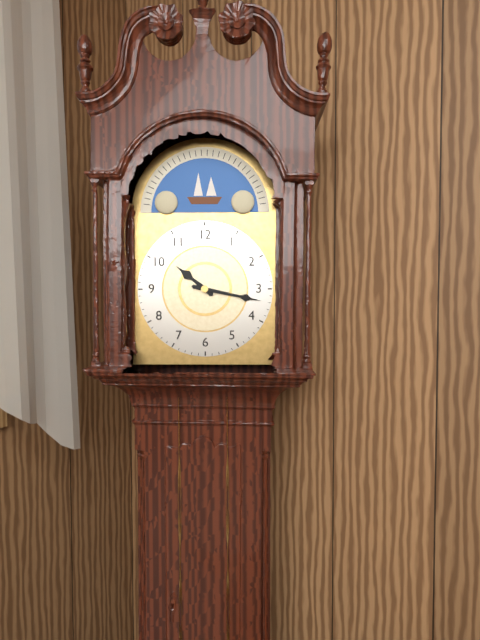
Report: 10:17
